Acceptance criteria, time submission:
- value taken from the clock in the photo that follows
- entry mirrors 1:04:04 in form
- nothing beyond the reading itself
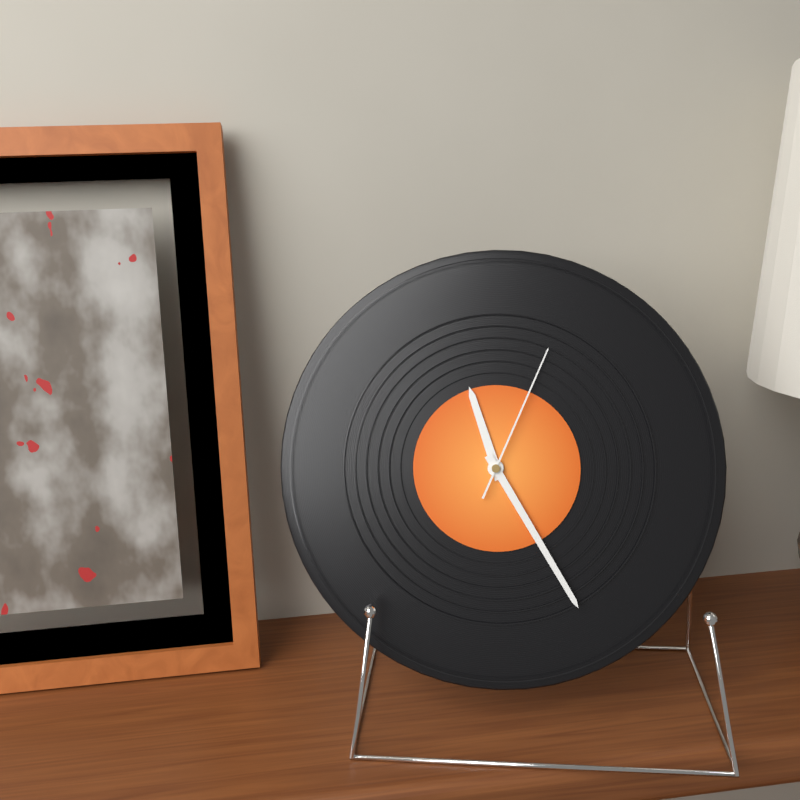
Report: 11:25:04
